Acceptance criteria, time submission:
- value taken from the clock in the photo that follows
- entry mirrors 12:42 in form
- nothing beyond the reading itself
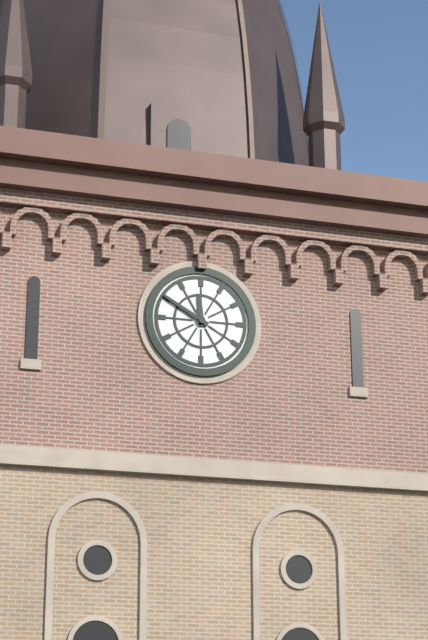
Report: 11:50
